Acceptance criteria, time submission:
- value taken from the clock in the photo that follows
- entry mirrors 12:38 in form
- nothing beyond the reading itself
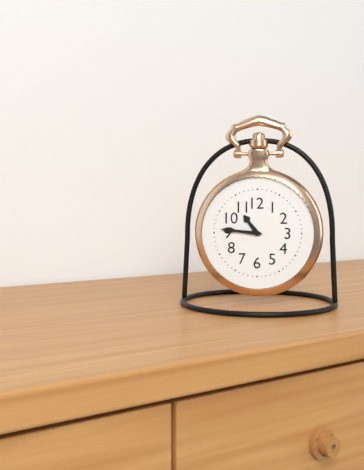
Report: 10:46
